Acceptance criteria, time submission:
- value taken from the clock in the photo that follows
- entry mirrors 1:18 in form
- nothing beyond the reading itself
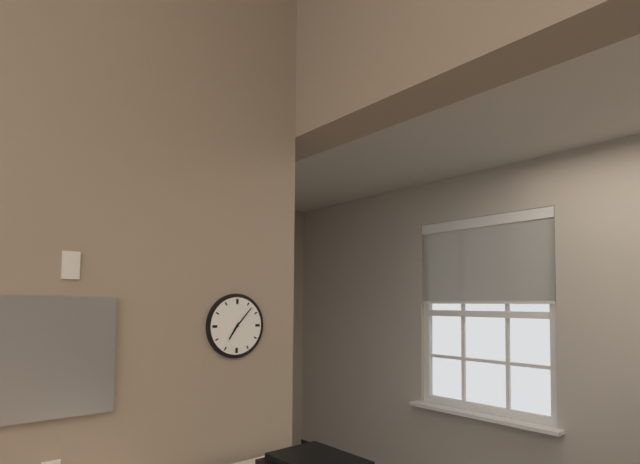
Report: 7:07
